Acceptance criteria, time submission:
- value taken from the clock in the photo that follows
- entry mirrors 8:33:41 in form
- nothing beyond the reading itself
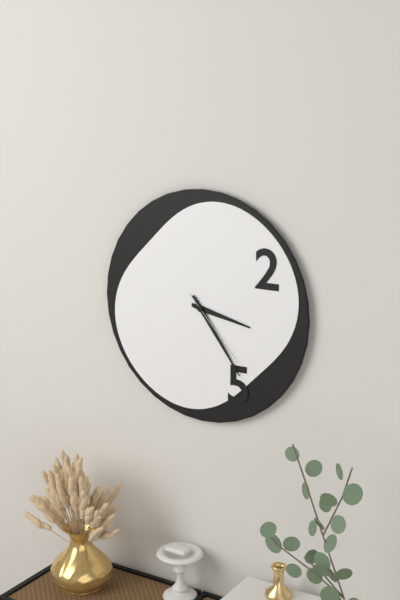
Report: 3:24:23
